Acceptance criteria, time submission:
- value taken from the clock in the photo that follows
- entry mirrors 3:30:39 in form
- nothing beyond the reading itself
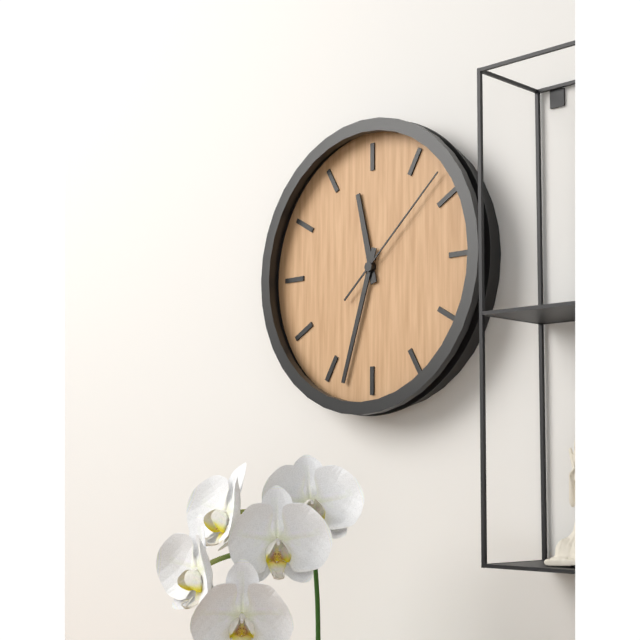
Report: 11:33:08
